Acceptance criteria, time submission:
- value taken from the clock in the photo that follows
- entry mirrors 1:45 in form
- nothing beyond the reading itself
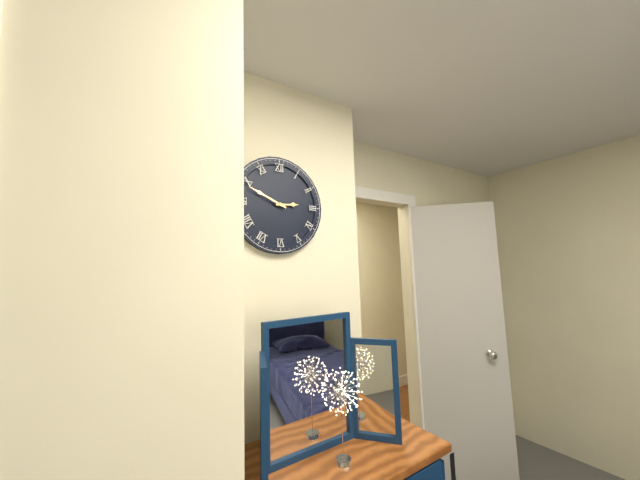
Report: 2:49
